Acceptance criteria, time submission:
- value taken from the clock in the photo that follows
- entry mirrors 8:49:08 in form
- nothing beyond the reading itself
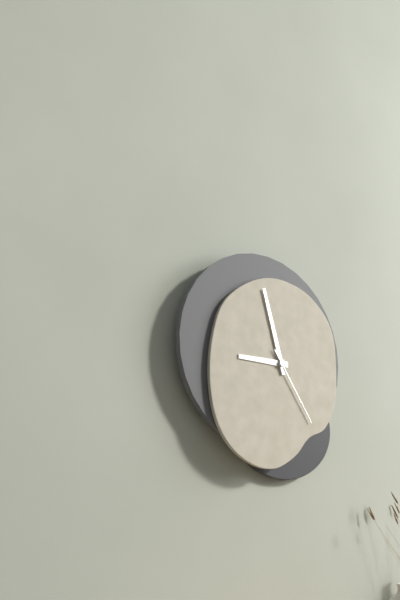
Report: 8:57:24
